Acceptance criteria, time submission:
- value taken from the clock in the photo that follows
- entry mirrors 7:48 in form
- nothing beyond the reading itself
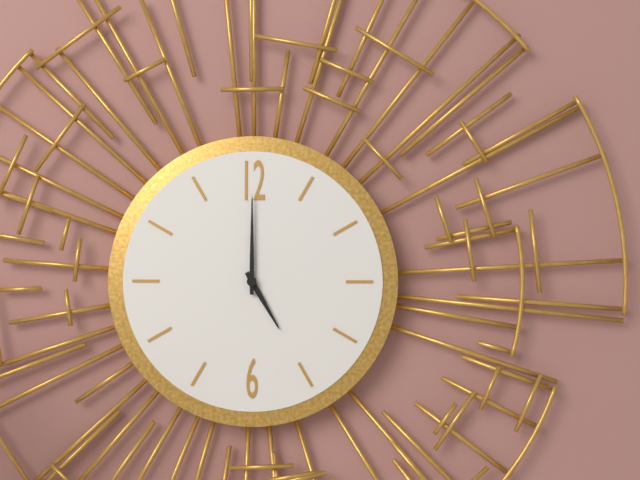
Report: 5:00
